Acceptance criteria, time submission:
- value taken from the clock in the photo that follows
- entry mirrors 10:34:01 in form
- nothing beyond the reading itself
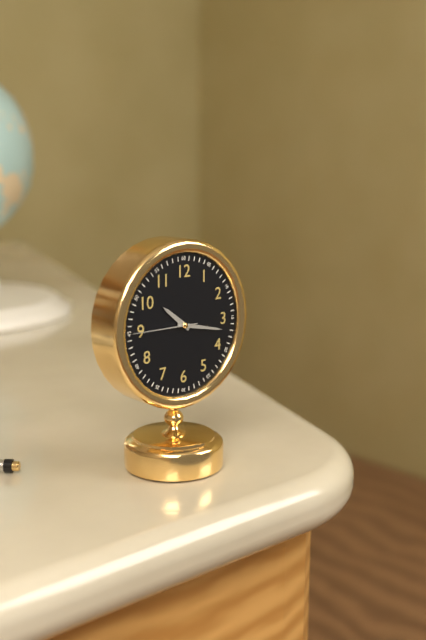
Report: 10:17:45
